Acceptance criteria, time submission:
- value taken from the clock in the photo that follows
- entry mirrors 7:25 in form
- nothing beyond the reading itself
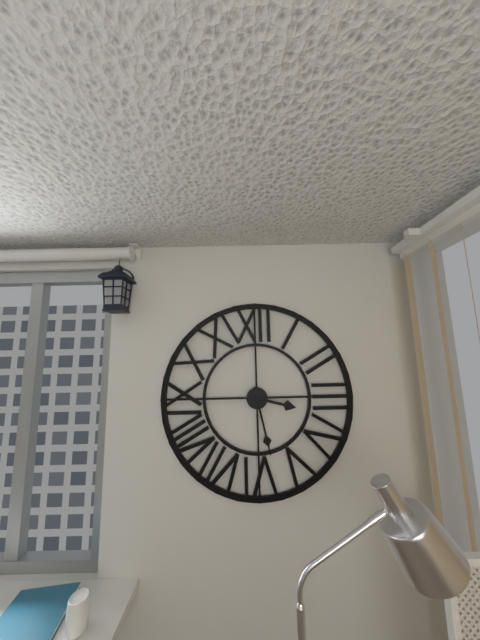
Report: 3:28
